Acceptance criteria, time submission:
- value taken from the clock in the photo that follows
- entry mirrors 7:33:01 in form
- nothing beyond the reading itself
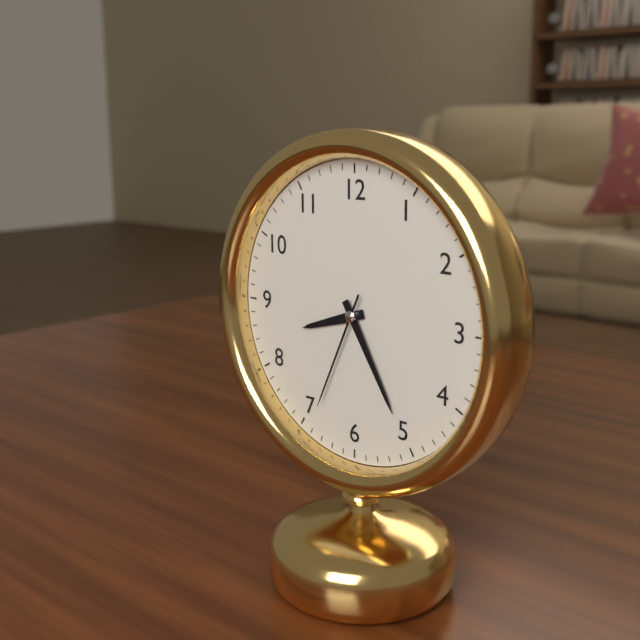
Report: 8:25:34
